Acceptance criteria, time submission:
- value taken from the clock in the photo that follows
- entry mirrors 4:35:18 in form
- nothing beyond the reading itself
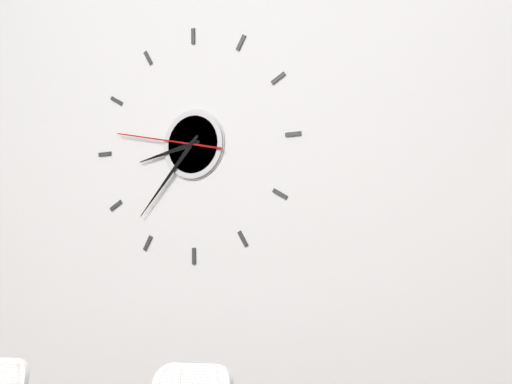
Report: 8:37:47
